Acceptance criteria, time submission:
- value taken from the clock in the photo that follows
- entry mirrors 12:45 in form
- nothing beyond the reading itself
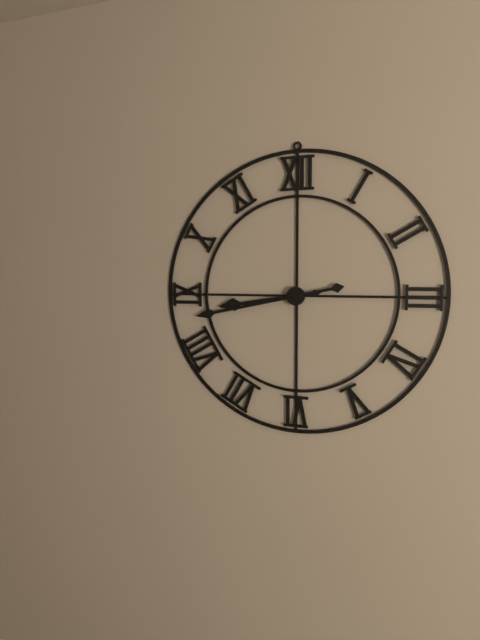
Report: 8:43
